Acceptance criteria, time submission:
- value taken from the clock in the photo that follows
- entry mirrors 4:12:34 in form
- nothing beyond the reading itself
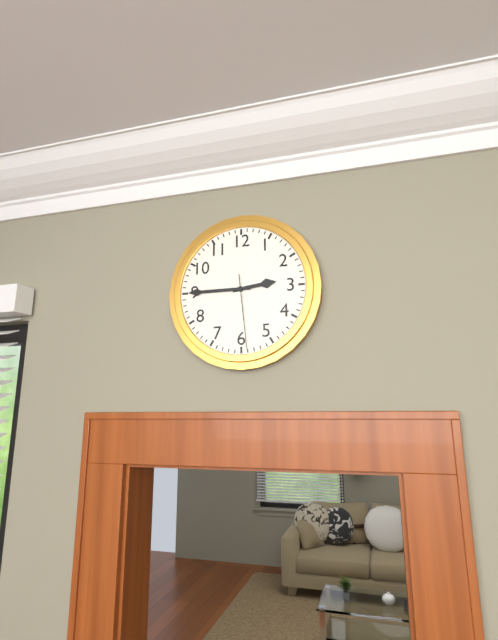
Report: 2:45:29
